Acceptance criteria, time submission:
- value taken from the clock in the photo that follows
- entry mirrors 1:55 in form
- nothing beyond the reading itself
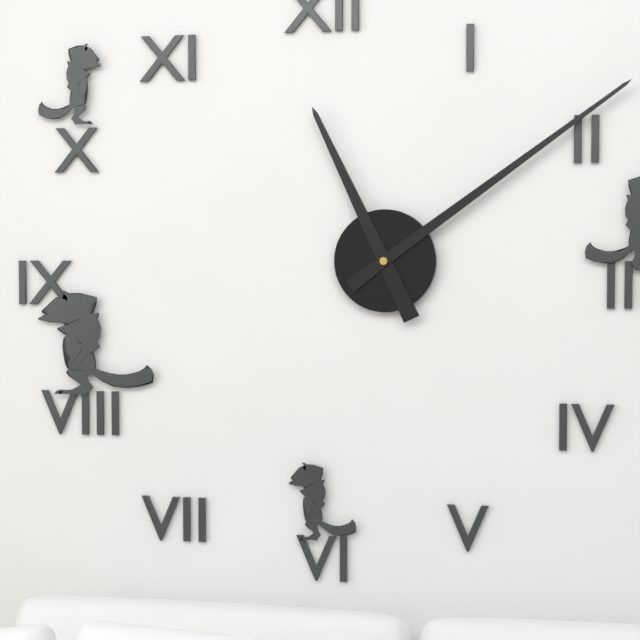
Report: 11:09
